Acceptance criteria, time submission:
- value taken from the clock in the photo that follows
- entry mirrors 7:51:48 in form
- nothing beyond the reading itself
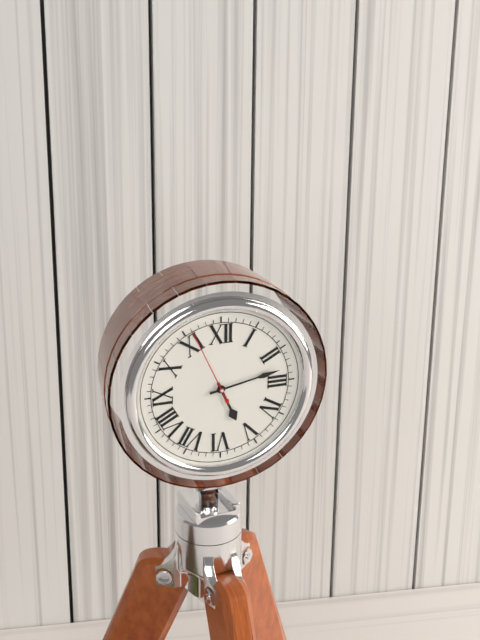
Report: 5:13:56
